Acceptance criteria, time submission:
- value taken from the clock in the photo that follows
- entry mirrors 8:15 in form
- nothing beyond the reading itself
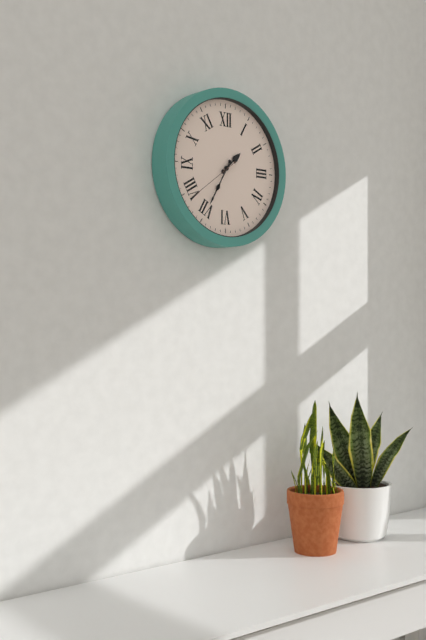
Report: 1:35
